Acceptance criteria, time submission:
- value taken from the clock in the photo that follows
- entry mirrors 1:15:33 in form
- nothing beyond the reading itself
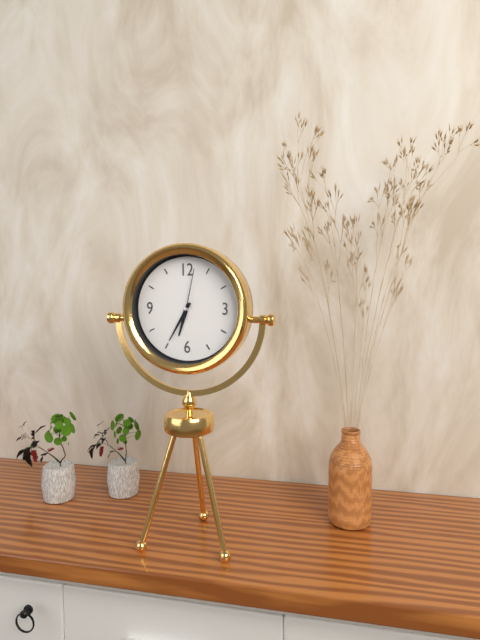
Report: 6:35:02
